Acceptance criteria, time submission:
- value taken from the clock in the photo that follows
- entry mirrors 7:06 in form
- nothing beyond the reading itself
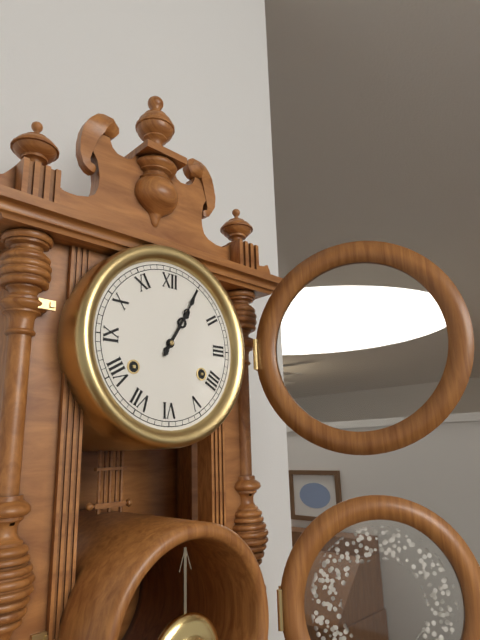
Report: 1:05
